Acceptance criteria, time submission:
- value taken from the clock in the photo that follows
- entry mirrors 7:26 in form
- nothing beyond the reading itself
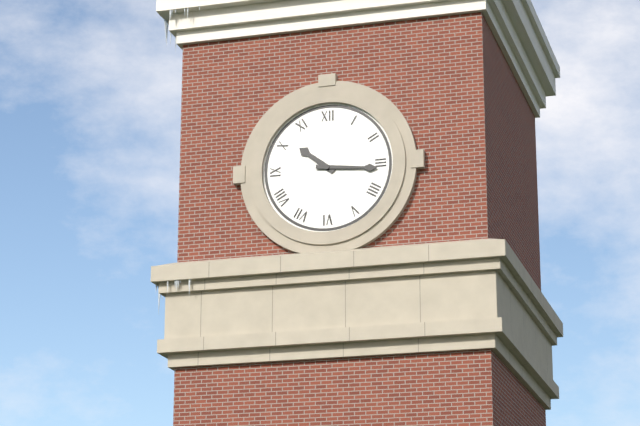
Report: 10:16
